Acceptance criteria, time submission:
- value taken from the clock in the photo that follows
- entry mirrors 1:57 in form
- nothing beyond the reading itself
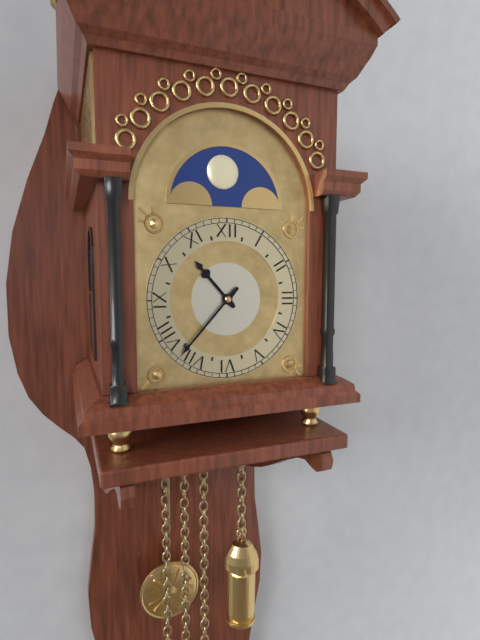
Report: 10:37
